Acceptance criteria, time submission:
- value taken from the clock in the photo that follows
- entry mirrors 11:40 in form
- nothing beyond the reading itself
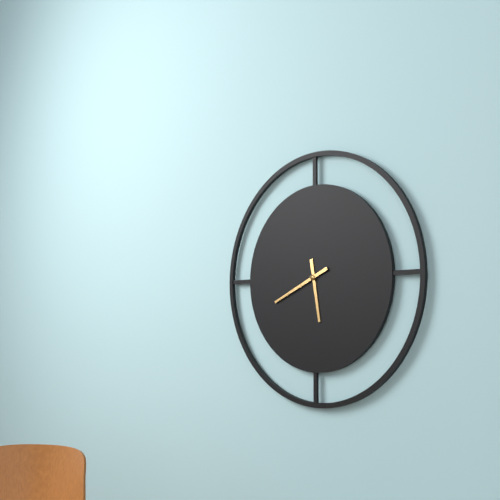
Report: 5:41
